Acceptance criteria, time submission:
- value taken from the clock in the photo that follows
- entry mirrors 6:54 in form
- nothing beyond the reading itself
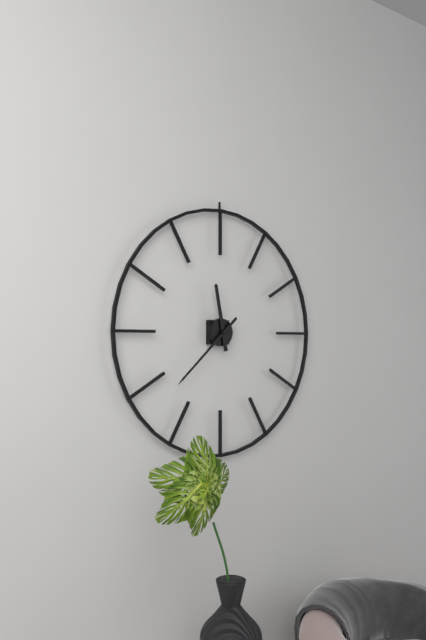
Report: 11:38
